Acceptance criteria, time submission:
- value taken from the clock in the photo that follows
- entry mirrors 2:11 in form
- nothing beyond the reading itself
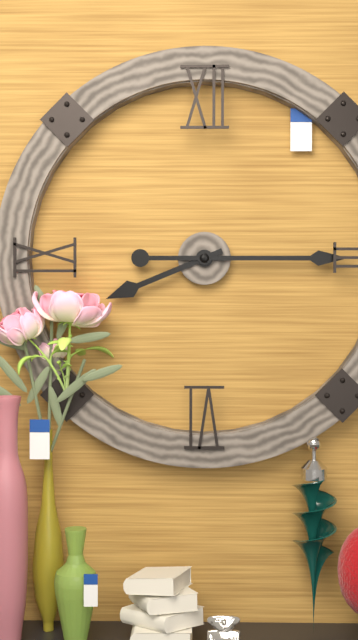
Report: 8:15
